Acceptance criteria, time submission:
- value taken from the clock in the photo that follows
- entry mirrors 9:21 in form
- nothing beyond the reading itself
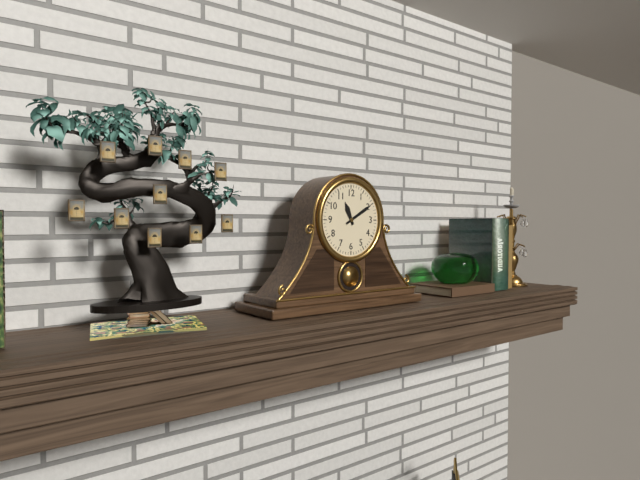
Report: 11:10
